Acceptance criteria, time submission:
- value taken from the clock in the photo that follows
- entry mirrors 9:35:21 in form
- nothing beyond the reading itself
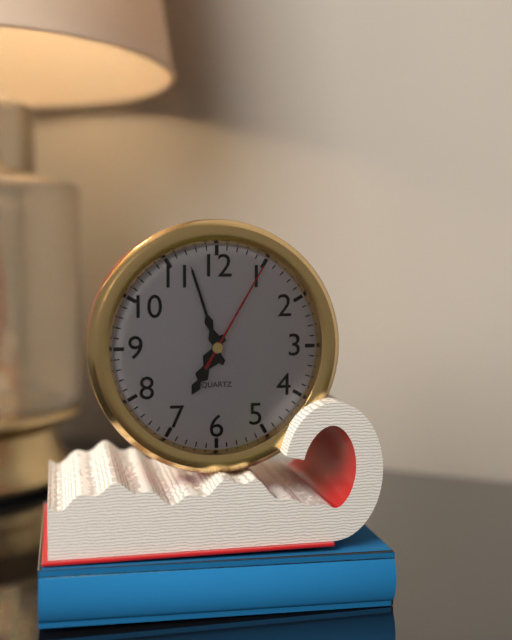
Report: 6:57:05
